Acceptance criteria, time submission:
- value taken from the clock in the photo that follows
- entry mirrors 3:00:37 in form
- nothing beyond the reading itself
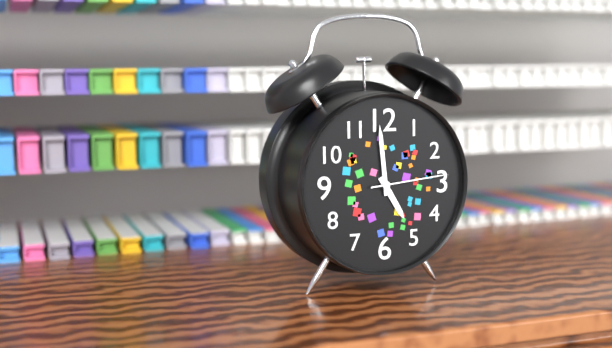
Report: 4:59:14
